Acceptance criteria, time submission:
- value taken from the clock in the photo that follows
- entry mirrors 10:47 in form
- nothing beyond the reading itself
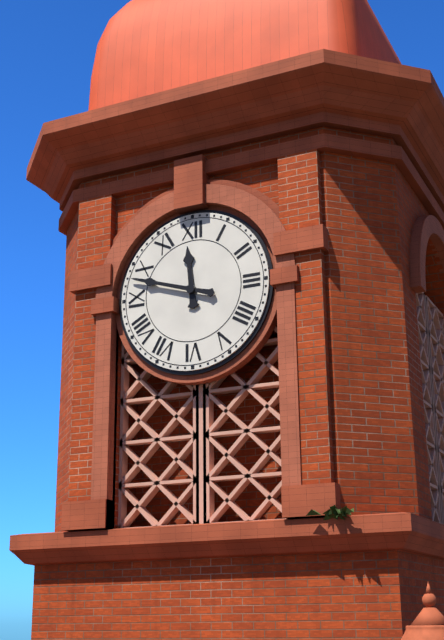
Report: 11:48
